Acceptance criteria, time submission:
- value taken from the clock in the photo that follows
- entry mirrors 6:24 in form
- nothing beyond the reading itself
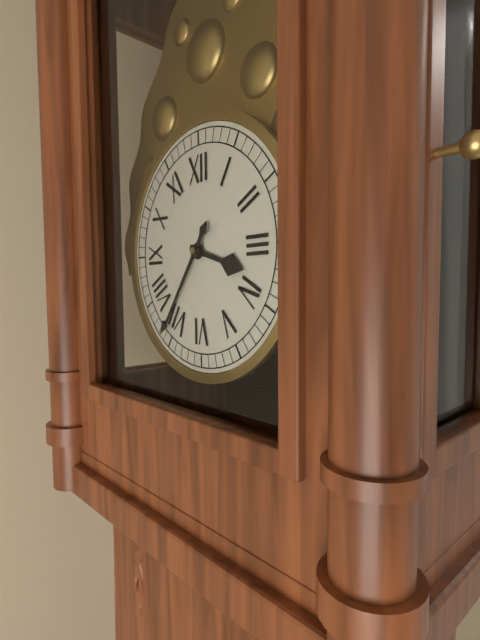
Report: 3:36
